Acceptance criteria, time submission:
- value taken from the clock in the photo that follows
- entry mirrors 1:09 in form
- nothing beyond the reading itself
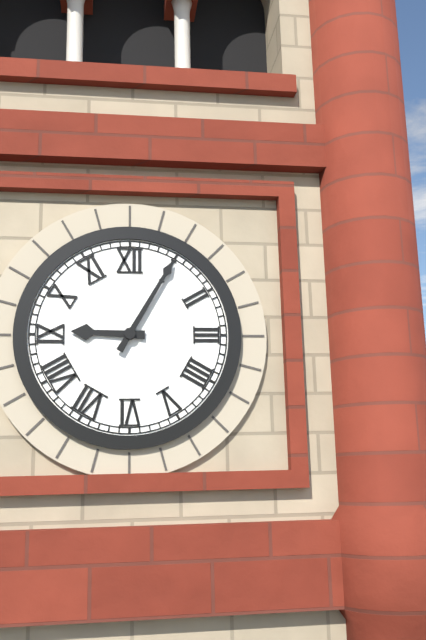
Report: 9:05
